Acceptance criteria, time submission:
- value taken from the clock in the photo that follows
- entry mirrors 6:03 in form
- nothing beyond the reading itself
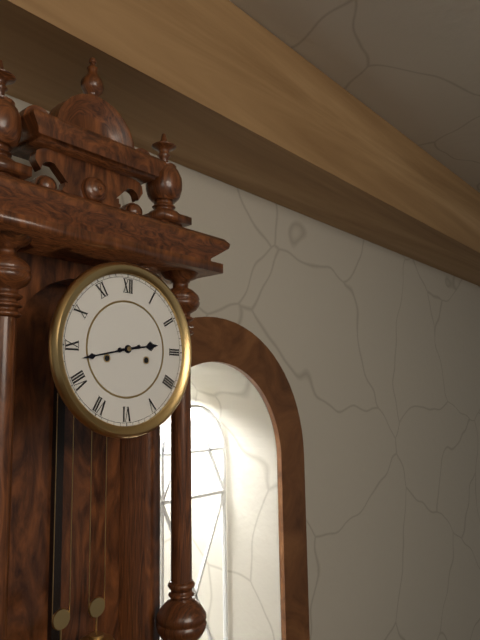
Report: 2:43
